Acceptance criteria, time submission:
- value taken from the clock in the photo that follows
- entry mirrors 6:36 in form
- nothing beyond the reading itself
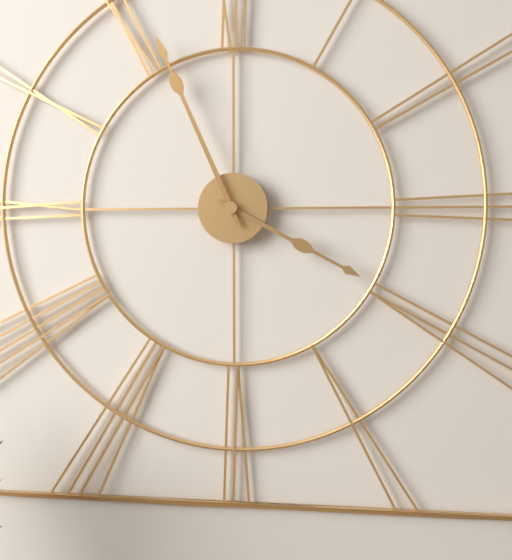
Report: 3:56
